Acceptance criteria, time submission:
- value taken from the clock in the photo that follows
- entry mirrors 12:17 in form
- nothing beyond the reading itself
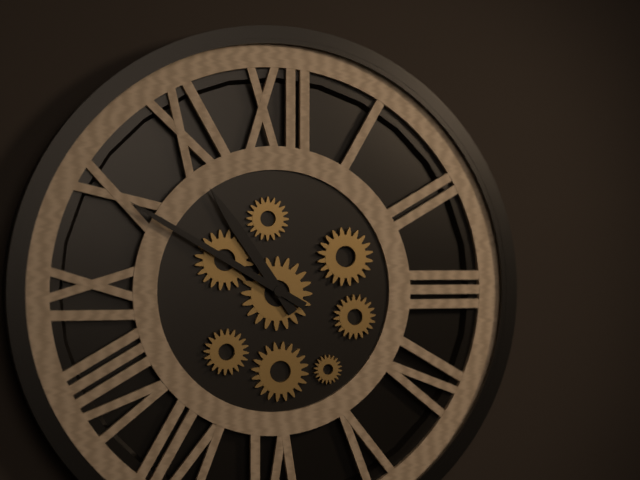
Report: 10:50
